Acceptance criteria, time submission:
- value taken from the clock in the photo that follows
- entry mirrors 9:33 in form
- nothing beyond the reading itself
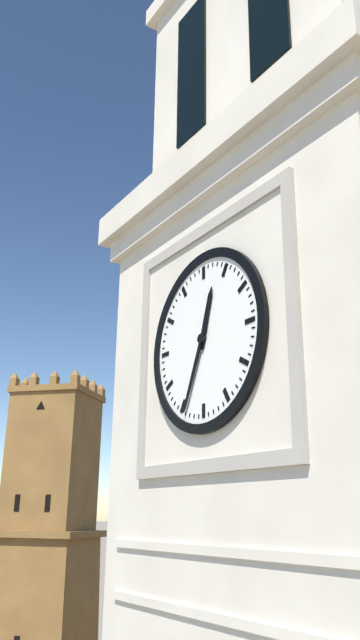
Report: 12:34
